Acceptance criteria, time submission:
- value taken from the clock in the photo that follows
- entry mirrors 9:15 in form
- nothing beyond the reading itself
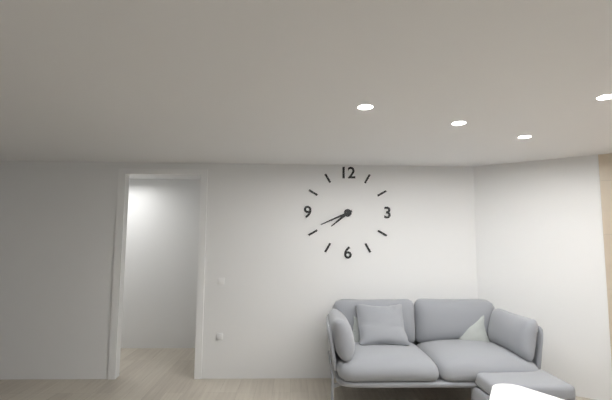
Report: 7:41
